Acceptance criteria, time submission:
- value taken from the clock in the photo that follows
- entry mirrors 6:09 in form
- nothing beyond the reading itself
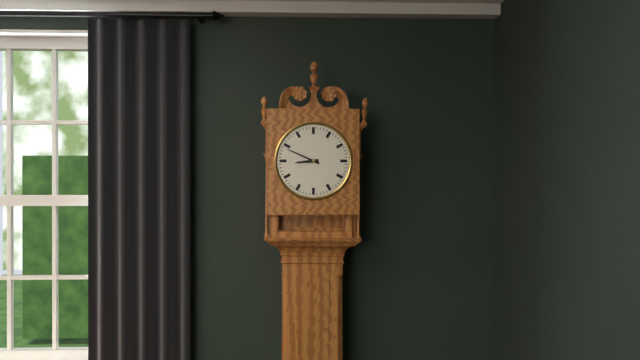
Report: 8:49
